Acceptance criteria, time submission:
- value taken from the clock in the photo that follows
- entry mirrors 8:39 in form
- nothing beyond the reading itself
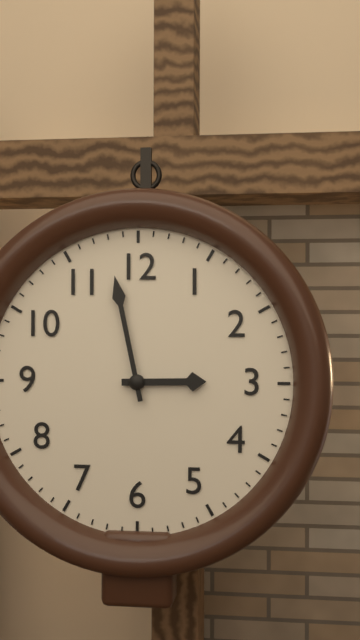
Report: 2:58
